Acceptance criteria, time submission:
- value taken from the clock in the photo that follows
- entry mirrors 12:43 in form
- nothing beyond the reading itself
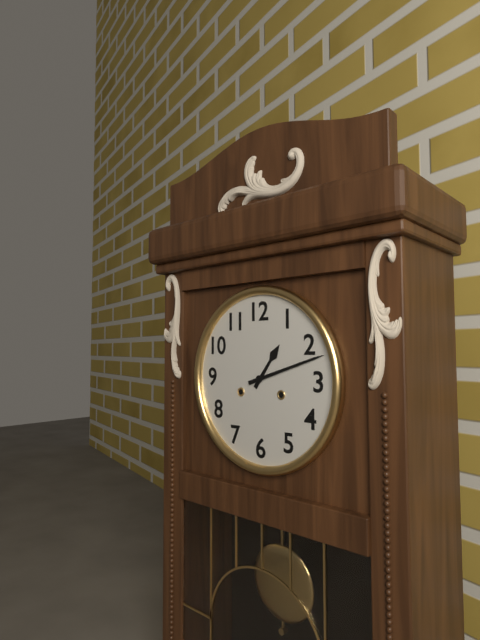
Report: 1:12
